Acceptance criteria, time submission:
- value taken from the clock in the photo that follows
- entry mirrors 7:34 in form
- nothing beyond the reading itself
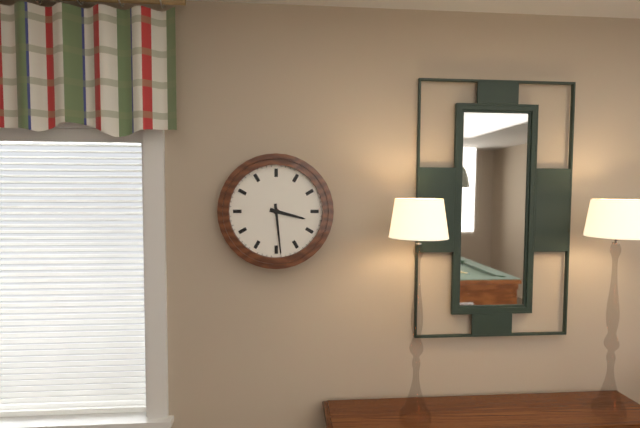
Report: 3:29
